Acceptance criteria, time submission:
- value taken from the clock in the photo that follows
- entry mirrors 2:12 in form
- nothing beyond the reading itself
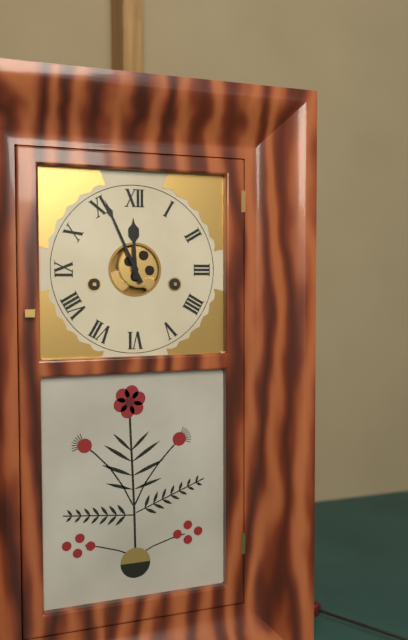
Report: 11:56
